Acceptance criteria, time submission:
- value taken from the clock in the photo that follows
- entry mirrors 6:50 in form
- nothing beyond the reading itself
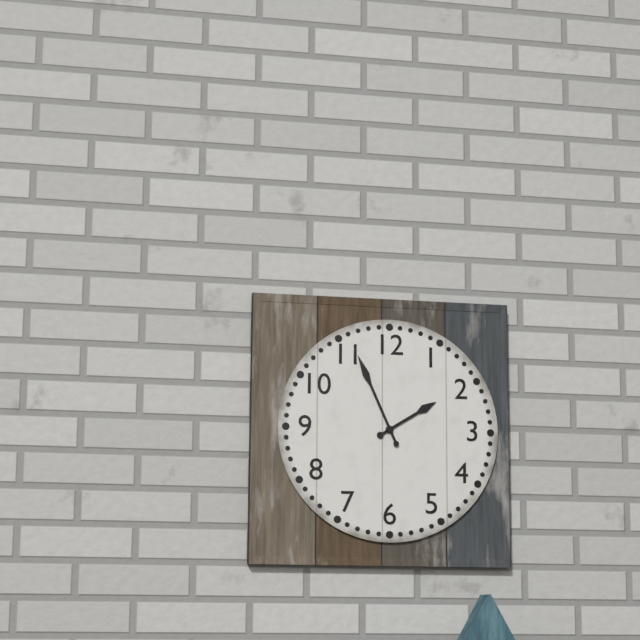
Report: 1:56
